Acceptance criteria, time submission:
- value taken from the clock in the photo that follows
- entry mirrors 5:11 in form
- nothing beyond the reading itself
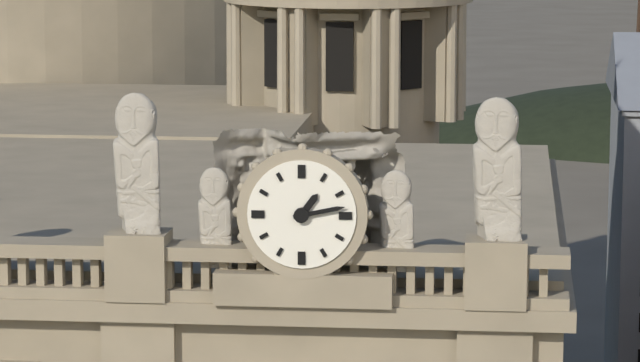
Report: 1:13
